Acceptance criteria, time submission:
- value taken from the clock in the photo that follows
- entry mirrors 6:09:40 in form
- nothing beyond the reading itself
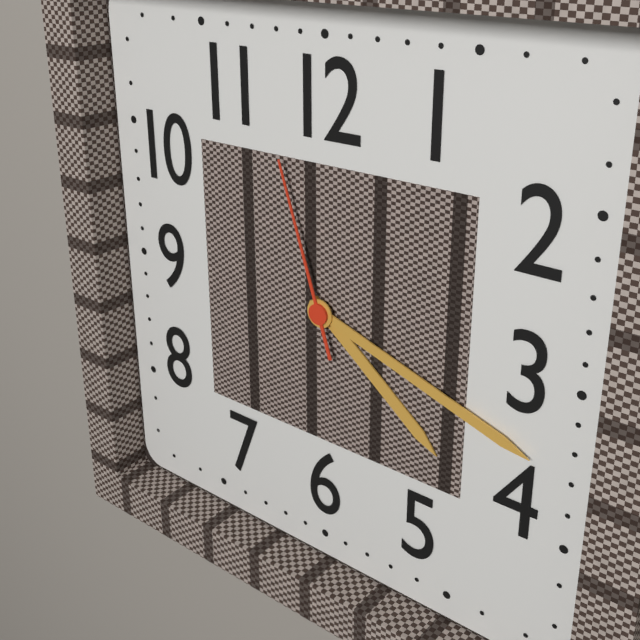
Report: 4:18:57
